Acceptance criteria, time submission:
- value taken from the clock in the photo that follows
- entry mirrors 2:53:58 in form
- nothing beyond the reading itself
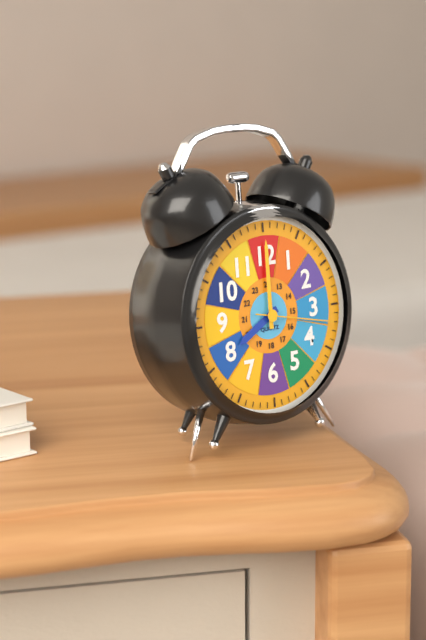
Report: 8:00:17
